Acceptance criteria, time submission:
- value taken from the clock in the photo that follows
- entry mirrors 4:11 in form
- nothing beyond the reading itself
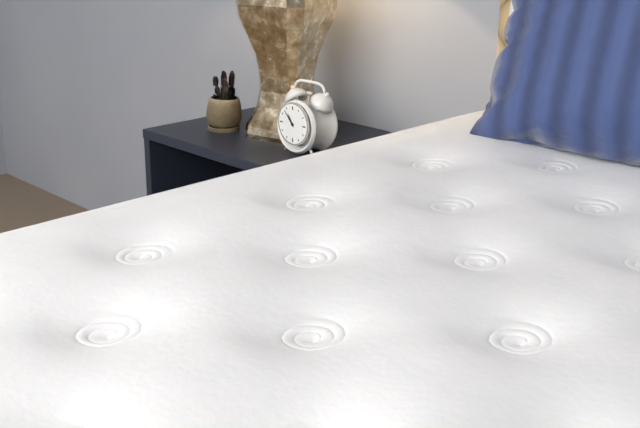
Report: 10:53
